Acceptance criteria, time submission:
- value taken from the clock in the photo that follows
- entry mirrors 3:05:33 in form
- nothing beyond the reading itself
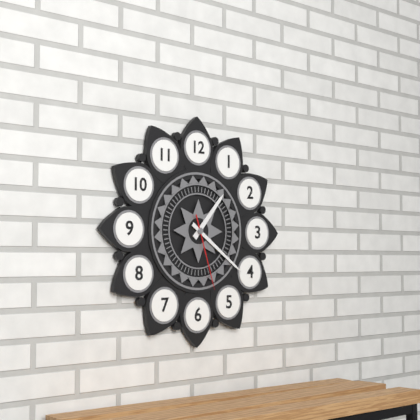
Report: 1:21:27
